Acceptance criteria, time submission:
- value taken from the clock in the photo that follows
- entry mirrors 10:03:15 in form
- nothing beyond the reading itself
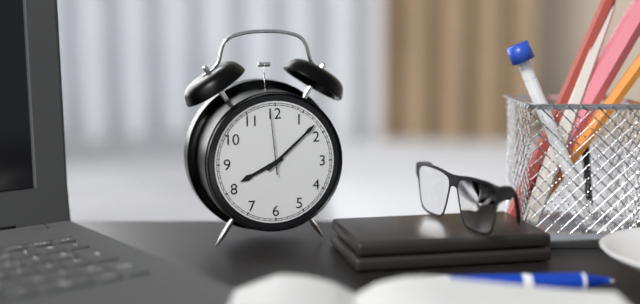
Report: 8:08:59
